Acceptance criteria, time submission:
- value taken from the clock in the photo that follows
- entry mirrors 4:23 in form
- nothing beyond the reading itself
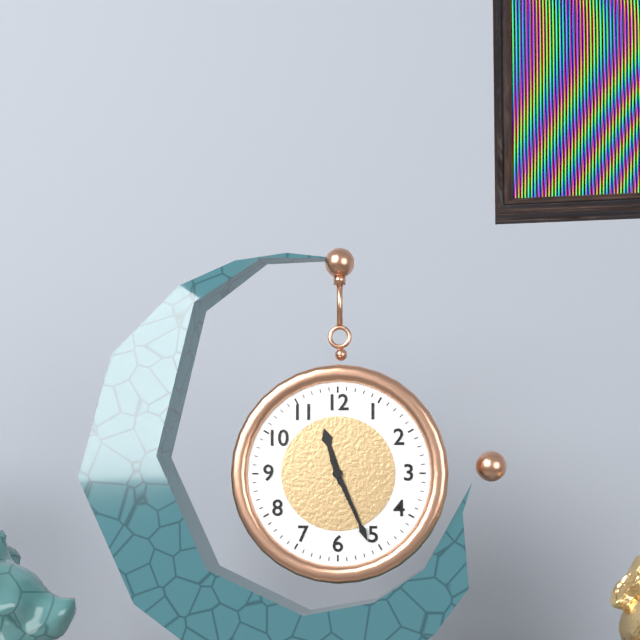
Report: 11:26
